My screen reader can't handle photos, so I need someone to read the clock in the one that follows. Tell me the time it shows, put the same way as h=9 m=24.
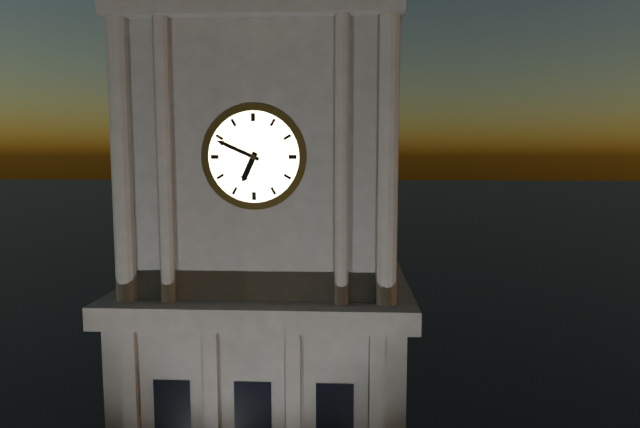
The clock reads h=6 m=49
